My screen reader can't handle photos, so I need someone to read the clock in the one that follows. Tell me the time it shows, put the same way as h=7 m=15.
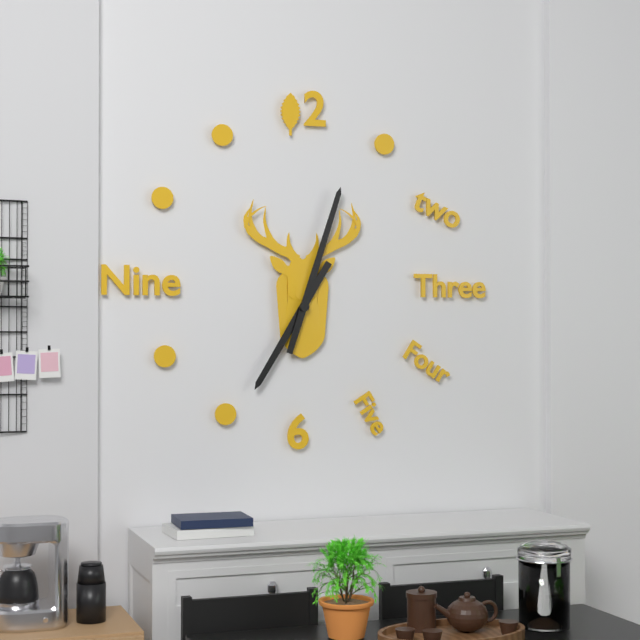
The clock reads h=7 m=3
